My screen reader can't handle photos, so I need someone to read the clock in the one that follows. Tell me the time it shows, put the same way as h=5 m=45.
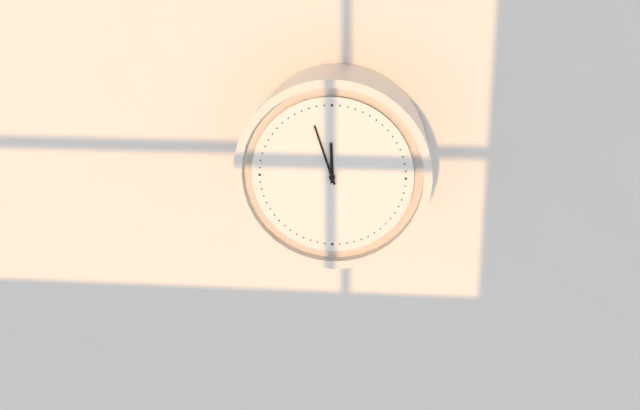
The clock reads h=11 m=57
